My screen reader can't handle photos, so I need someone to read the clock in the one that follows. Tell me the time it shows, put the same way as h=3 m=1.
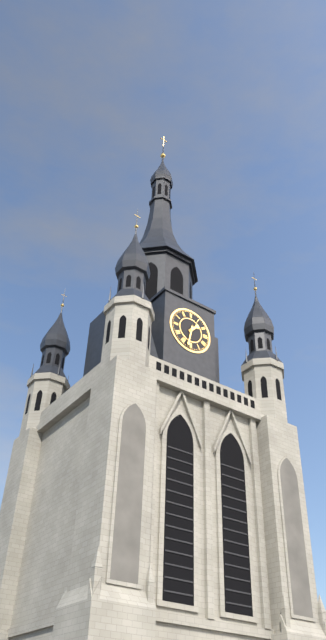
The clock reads h=1 m=32
